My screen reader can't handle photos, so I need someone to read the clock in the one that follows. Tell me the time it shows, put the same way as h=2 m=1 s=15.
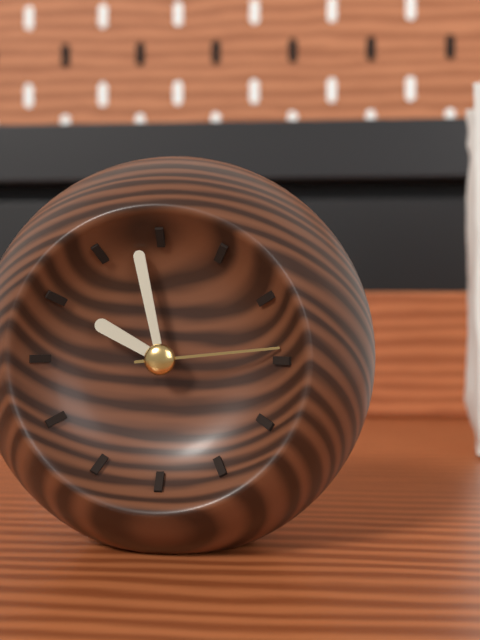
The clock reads h=9 m=58 s=14
